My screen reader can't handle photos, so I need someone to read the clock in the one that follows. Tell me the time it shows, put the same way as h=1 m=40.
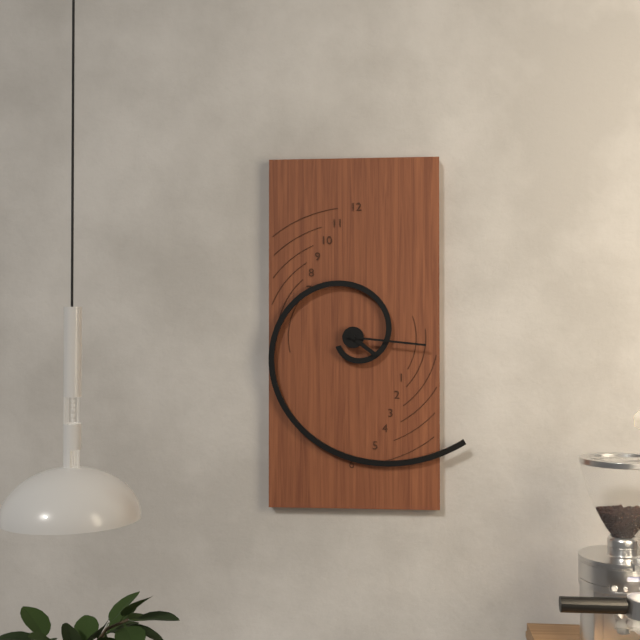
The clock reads h=4 m=16
